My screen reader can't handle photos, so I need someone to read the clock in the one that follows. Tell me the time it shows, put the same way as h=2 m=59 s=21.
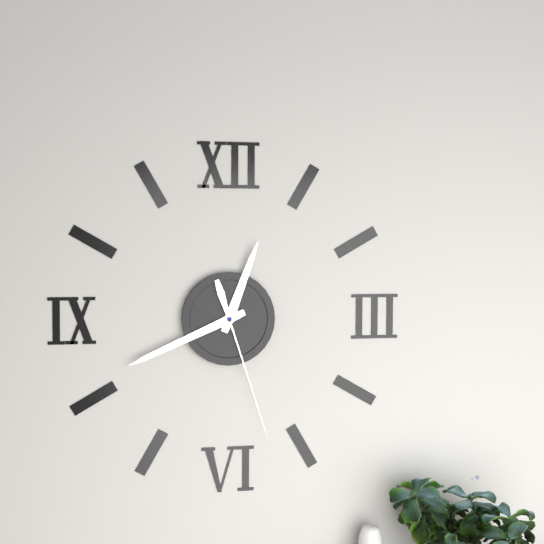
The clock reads h=12 m=41 s=27
